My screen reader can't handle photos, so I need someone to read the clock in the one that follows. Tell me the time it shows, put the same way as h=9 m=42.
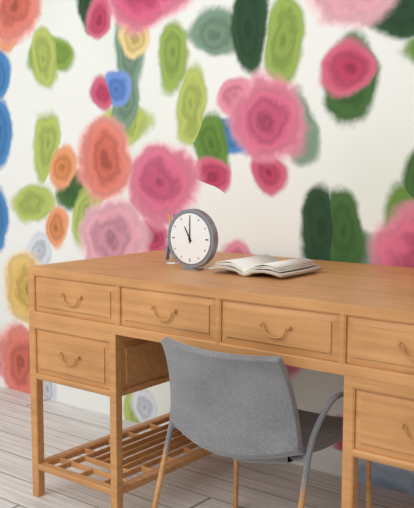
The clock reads h=11 m=0
